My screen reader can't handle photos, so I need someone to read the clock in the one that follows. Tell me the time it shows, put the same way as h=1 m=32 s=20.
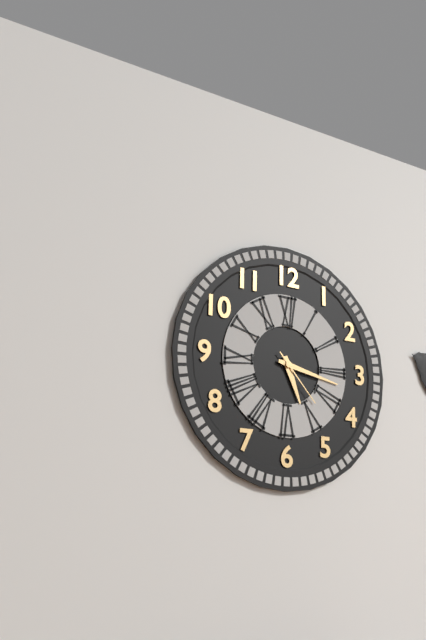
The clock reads h=5 m=17 s=23
